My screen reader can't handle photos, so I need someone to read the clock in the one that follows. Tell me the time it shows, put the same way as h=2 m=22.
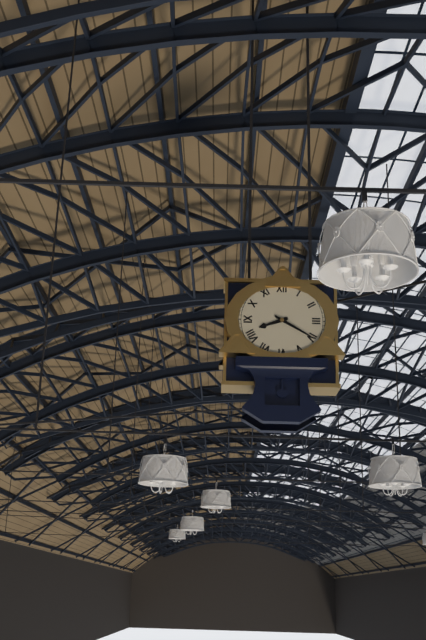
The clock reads h=8 m=20
